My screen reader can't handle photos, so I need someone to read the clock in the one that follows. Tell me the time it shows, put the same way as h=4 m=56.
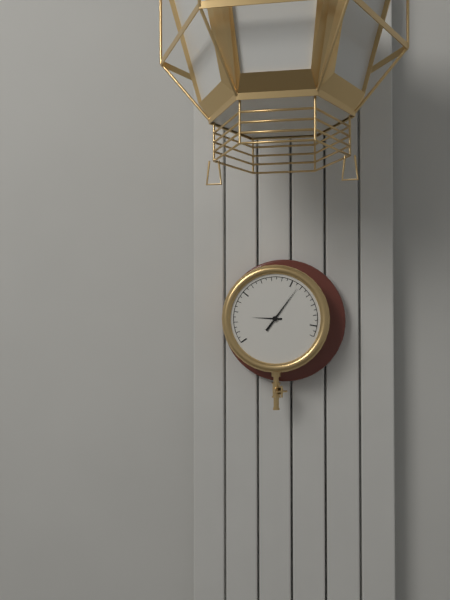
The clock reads h=9 m=6
